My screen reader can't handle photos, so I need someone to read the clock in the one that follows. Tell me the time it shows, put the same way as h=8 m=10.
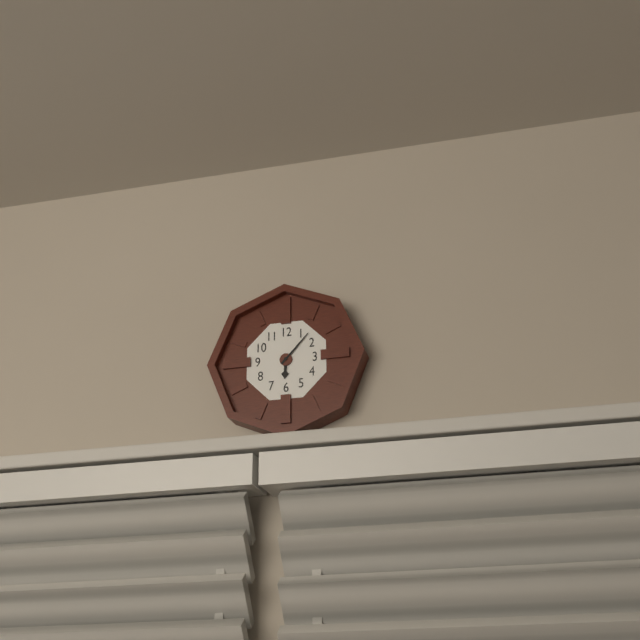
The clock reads h=6 m=7
